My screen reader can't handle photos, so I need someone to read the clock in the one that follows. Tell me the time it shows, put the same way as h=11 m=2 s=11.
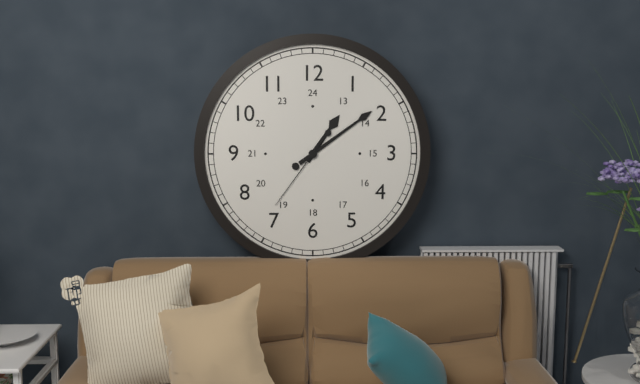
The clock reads h=1 m=9 s=36
